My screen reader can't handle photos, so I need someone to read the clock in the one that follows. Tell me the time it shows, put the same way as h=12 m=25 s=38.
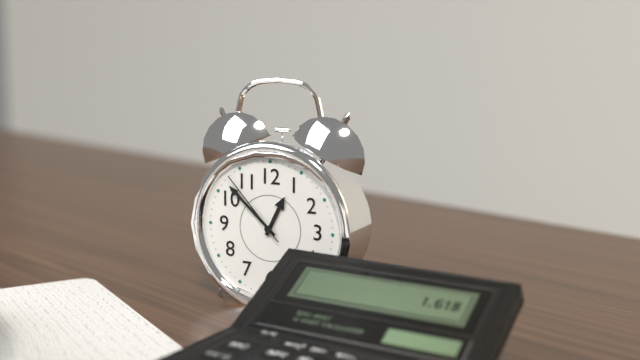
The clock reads h=12 m=52 s=53
